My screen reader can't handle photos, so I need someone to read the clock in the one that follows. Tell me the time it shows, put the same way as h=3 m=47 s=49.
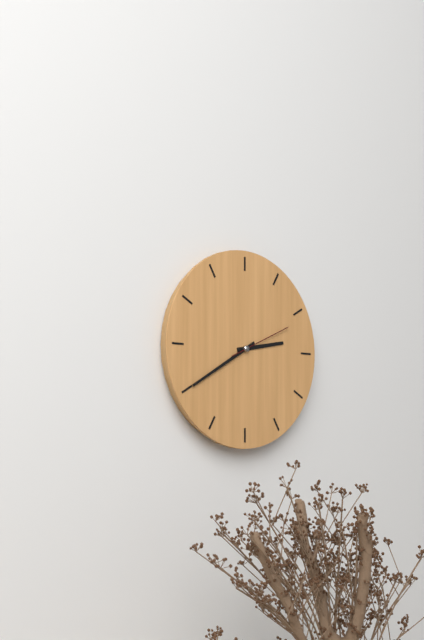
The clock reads h=2 m=40 s=11
